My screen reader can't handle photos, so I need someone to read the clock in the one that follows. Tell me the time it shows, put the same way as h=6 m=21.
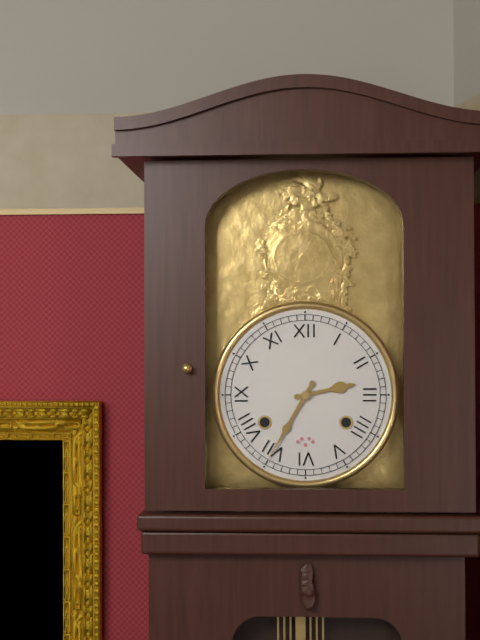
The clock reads h=2 m=35
